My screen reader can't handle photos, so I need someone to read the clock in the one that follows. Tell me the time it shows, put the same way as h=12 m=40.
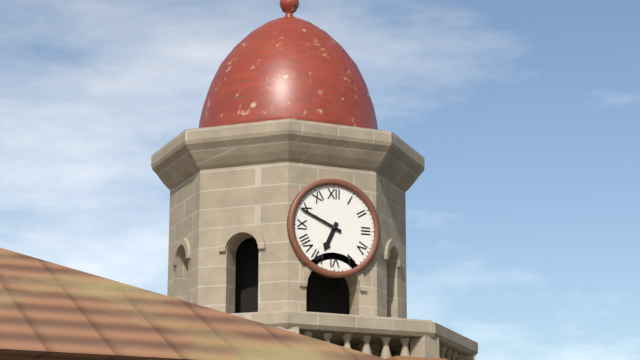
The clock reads h=6 m=49
